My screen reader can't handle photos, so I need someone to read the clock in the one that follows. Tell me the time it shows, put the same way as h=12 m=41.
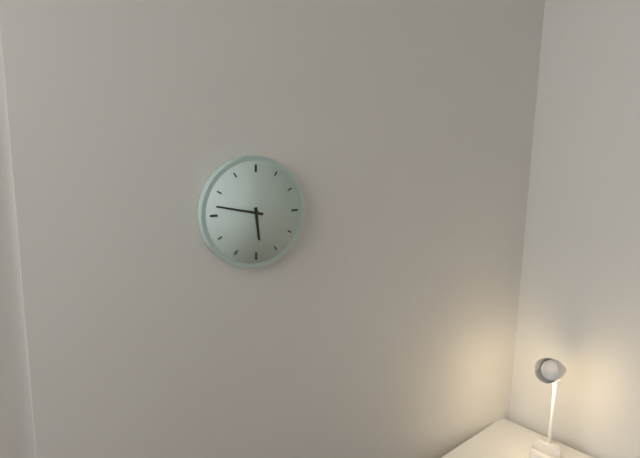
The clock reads h=5 m=47
